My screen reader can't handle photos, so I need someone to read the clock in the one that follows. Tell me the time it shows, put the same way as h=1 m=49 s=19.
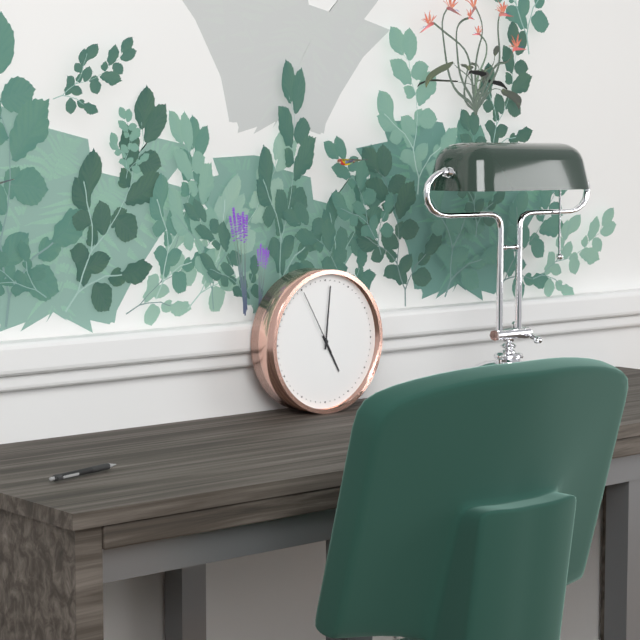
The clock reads h=5 m=1 s=55
